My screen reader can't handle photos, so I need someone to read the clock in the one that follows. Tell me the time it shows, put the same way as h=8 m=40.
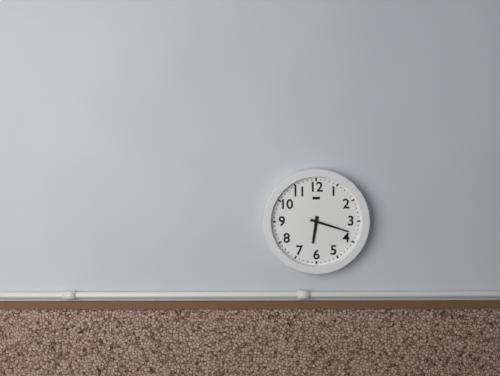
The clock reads h=6 m=18
